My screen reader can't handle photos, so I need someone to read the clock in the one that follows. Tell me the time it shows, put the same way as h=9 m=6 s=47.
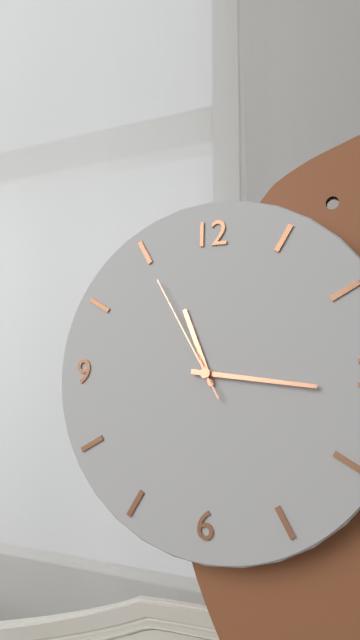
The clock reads h=11 m=16 s=55
